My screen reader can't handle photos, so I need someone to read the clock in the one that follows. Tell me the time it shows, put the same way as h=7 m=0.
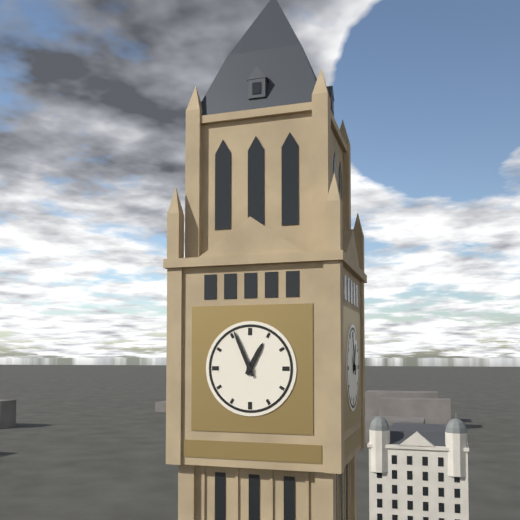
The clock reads h=12 m=56
